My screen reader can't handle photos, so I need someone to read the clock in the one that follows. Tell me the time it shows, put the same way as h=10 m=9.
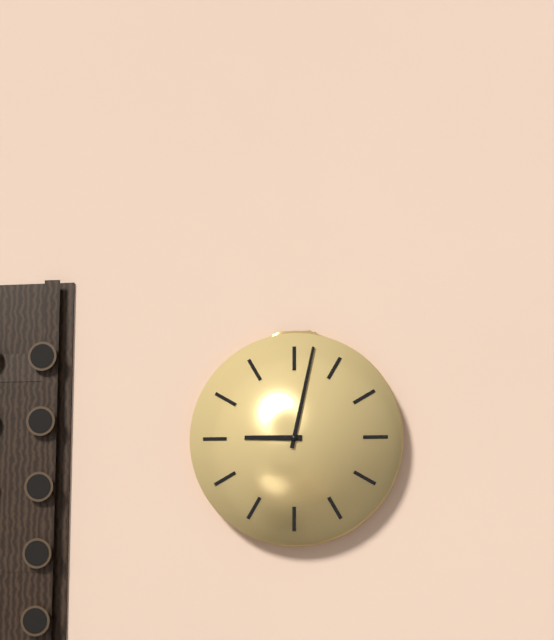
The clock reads h=9 m=2
